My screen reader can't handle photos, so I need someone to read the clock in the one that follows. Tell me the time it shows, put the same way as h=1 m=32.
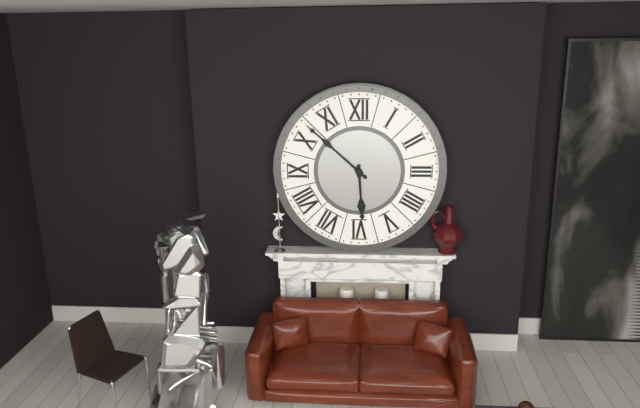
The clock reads h=5 m=52
